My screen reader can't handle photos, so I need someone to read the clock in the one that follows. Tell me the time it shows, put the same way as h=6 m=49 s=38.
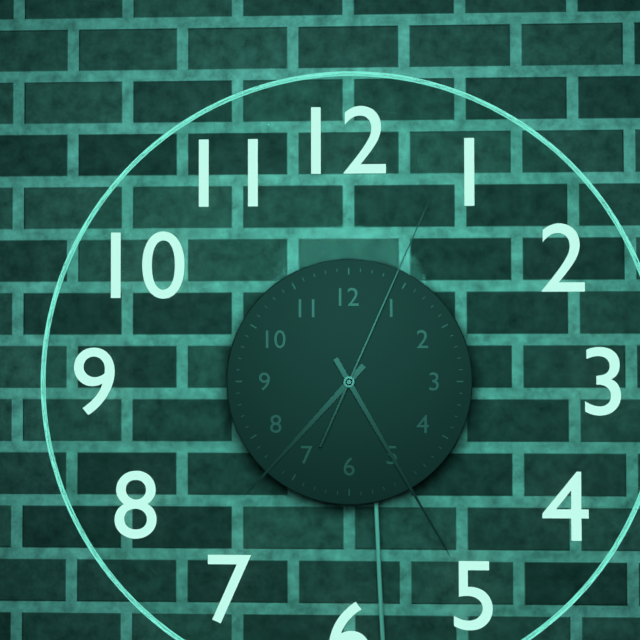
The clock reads h=7 m=25 s=4
